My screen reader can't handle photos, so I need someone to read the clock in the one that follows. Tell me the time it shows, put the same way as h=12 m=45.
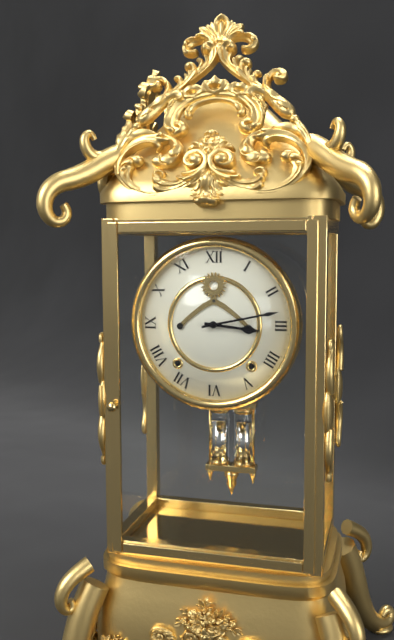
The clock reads h=3 m=13
